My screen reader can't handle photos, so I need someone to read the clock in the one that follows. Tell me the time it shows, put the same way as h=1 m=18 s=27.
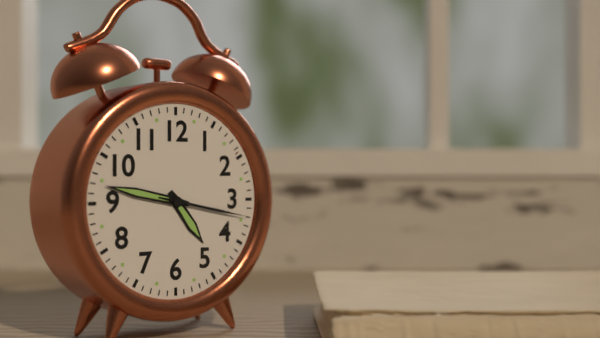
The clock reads h=4 m=47 s=17
